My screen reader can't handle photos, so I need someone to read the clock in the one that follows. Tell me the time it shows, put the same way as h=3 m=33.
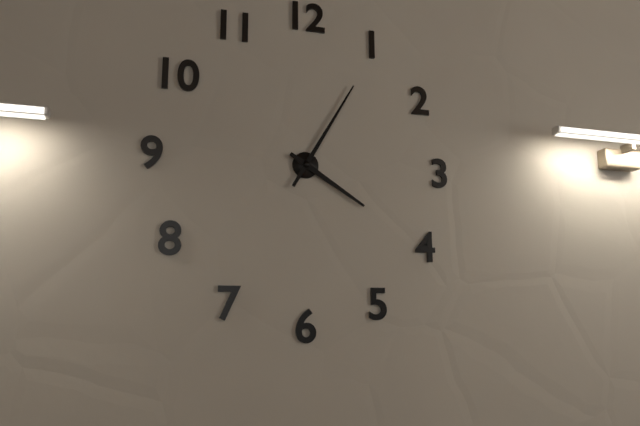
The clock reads h=4 m=5
